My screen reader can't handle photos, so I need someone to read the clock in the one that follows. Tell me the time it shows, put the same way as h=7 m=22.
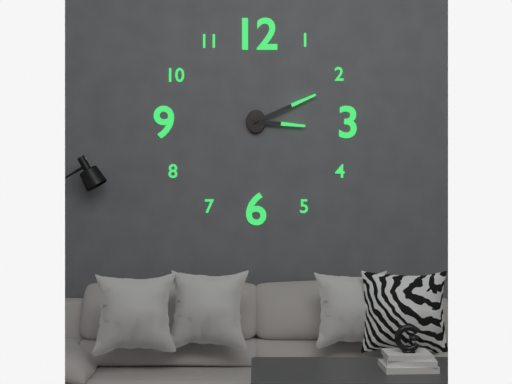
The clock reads h=3 m=11
